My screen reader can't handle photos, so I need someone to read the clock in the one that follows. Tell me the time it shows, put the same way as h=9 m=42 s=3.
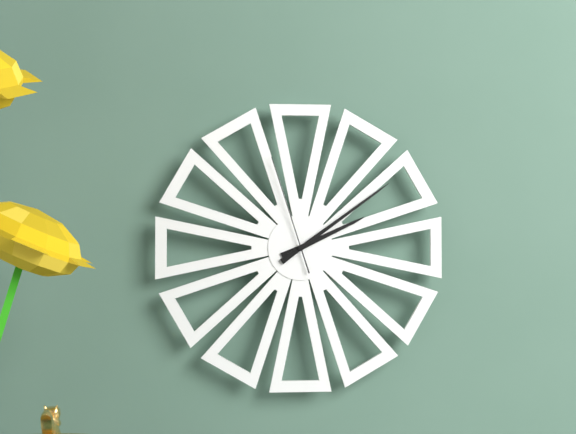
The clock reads h=2 m=9 s=57
